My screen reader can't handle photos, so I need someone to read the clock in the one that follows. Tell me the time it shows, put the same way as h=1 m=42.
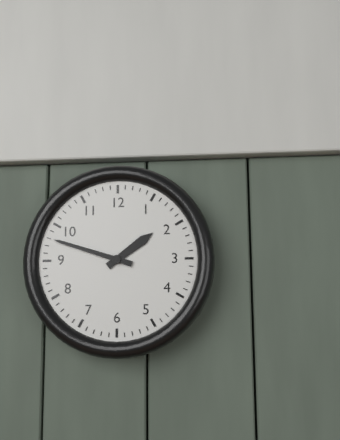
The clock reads h=1 m=48
